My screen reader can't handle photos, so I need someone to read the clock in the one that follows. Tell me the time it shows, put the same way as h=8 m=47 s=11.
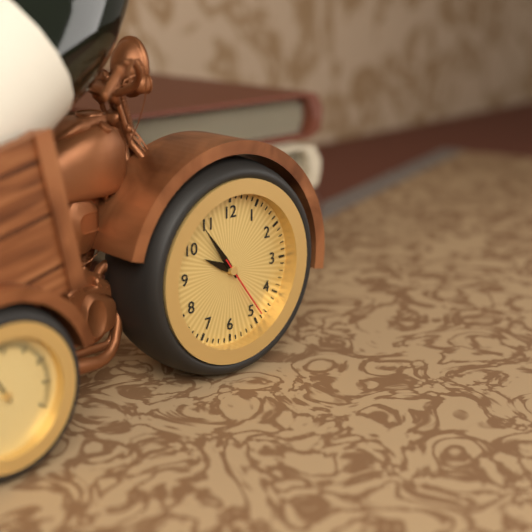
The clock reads h=9 m=54 s=24
